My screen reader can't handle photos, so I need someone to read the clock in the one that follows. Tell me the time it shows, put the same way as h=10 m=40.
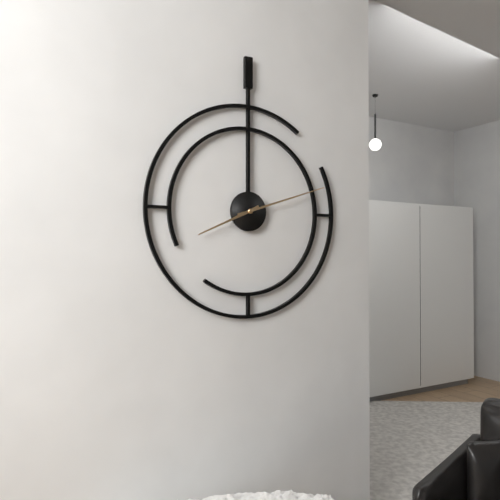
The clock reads h=8 m=12
